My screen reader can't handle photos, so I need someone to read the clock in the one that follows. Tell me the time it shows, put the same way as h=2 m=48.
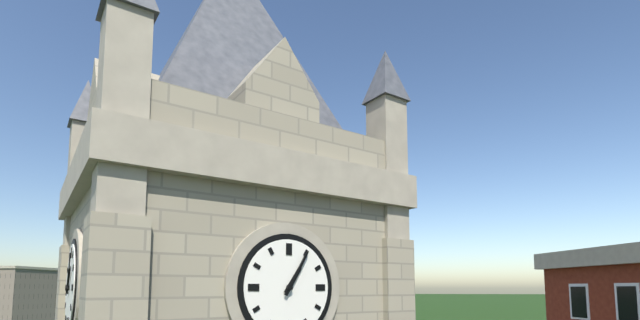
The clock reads h=1 m=5
